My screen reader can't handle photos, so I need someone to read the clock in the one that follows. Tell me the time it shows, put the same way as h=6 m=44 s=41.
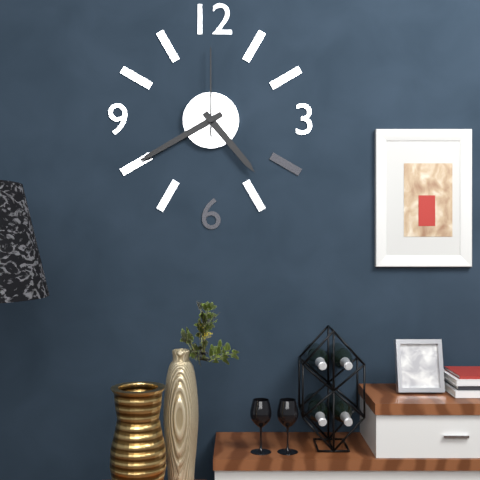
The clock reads h=4 m=40 s=0
